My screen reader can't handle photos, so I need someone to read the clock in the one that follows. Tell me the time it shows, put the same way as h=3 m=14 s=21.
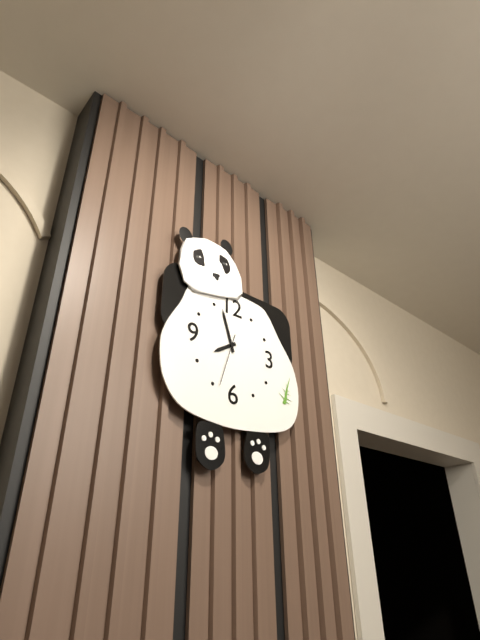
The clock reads h=7 m=57 s=33
